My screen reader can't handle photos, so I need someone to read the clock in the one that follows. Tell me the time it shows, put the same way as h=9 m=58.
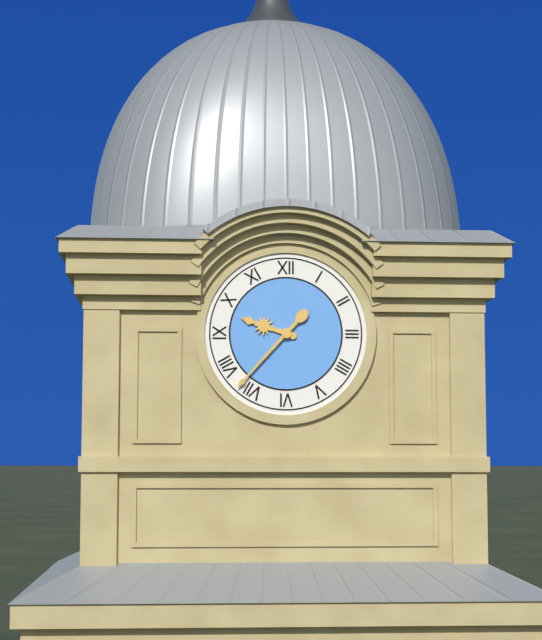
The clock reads h=9 m=37
